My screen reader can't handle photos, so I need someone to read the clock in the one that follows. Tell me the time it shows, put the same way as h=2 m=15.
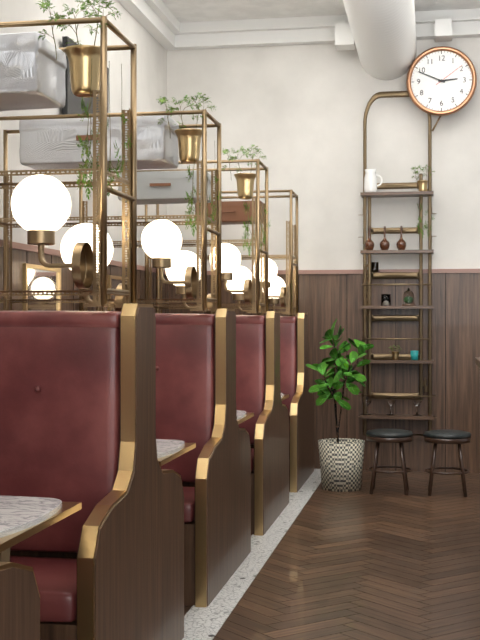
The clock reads h=2 m=49
